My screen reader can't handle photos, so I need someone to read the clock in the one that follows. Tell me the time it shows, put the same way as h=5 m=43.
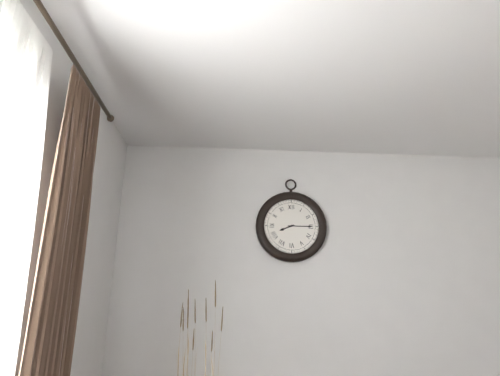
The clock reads h=8 m=15
